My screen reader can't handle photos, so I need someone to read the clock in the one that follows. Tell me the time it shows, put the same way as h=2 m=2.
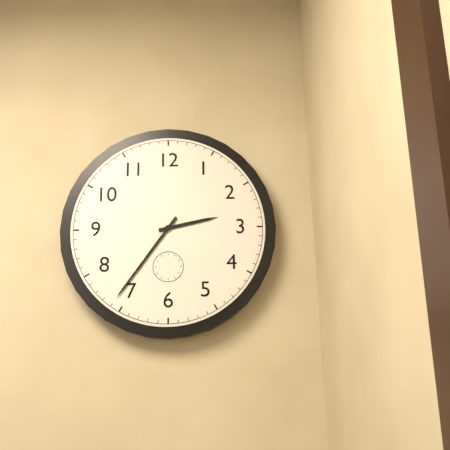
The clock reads h=2 m=36
